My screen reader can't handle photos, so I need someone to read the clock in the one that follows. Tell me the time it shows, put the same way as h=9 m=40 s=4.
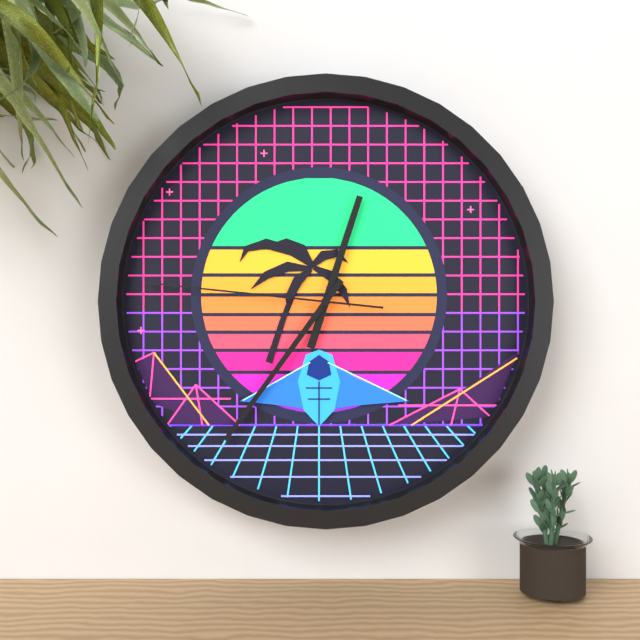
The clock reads h=12 m=36 s=46
